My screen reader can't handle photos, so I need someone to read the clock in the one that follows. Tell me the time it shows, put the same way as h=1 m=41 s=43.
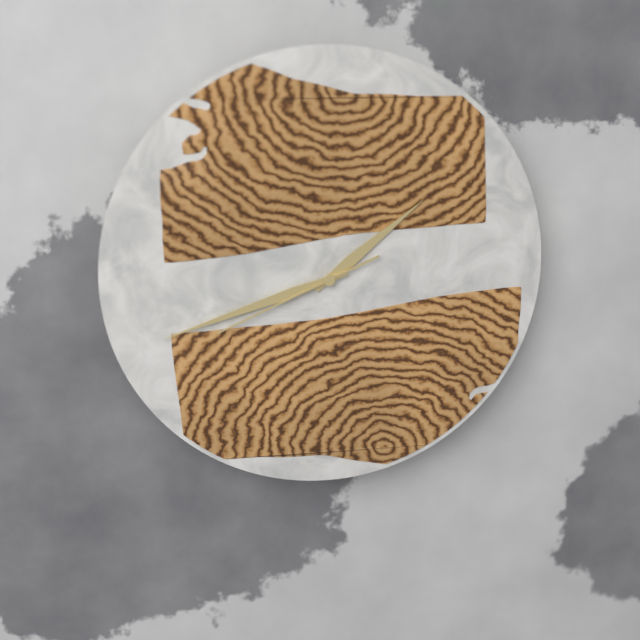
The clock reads h=1 m=42 s=41
